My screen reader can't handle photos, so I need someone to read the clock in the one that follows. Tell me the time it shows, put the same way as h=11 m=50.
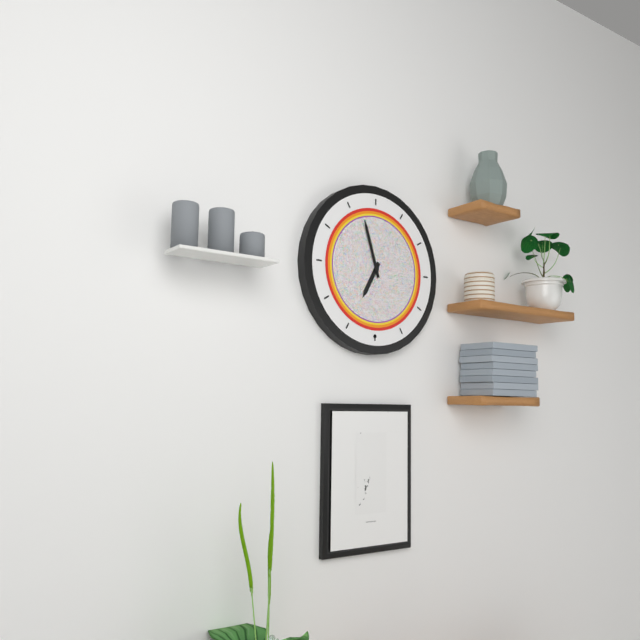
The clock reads h=6 m=57
